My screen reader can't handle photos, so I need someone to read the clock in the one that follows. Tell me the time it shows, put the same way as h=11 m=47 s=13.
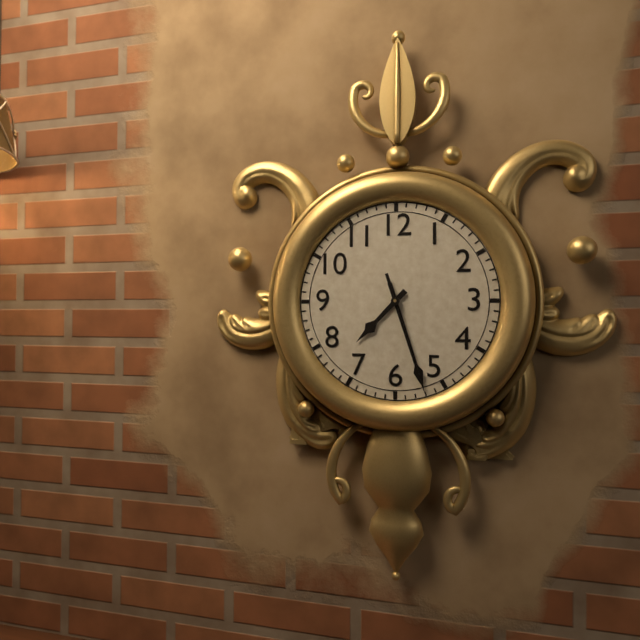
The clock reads h=7 m=27 s=27
